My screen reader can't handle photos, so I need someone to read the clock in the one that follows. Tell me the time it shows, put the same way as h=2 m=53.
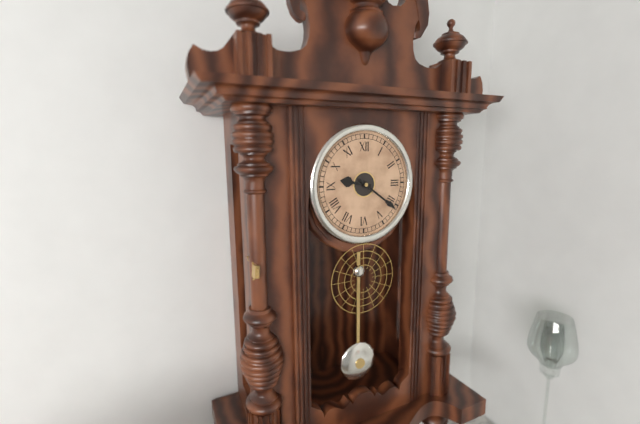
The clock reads h=9 m=21
